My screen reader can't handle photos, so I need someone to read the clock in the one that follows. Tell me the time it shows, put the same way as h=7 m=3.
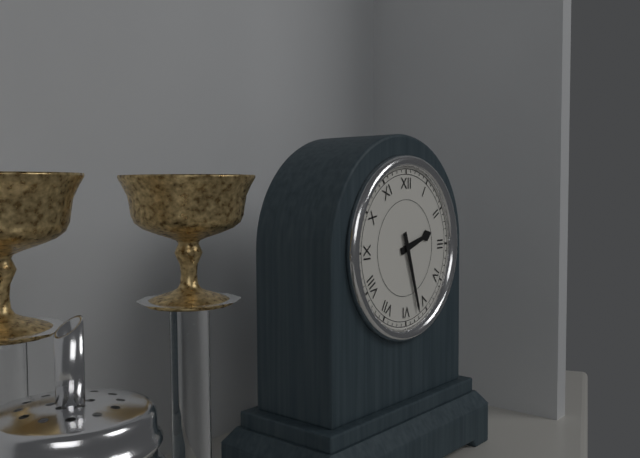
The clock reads h=2 m=27
